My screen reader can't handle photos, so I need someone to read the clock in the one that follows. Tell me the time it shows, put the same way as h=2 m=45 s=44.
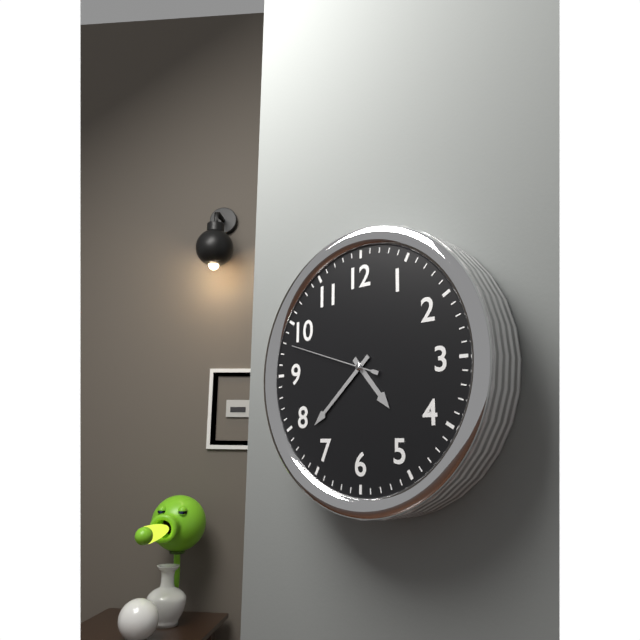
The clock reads h=4 m=38 s=48
